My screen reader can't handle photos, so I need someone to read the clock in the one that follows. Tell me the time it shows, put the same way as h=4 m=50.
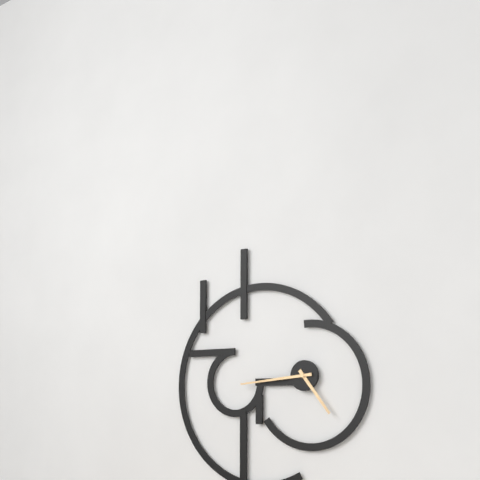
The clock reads h=4 m=44
